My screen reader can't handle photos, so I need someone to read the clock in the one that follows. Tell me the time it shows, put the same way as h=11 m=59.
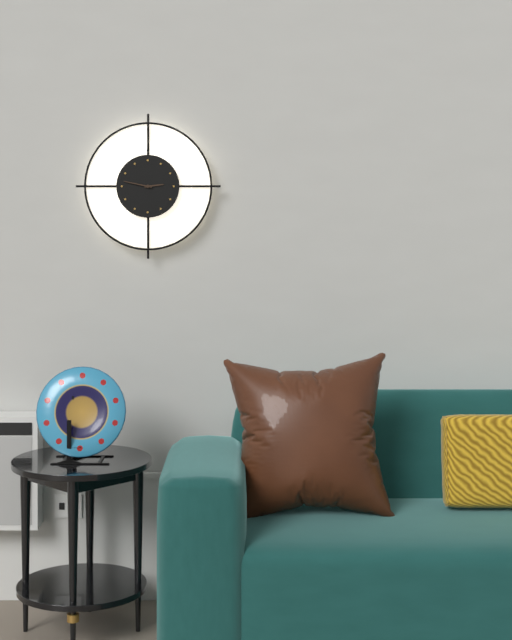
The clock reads h=2 m=47
